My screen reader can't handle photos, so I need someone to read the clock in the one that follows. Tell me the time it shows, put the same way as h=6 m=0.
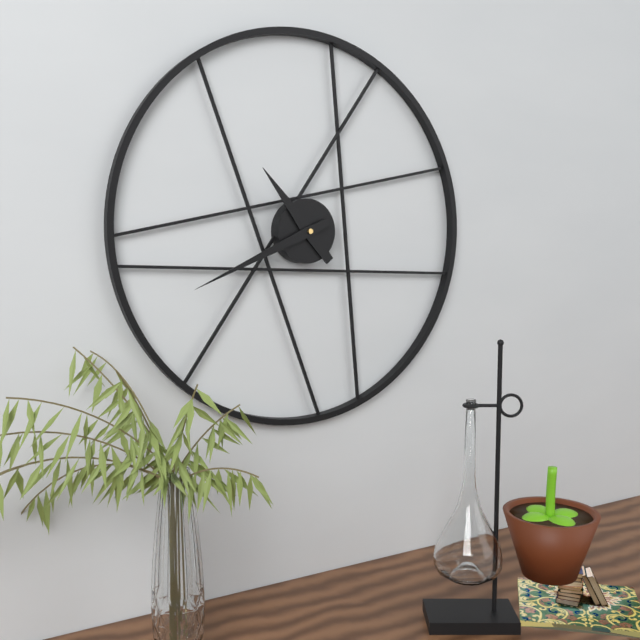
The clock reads h=10 m=41
